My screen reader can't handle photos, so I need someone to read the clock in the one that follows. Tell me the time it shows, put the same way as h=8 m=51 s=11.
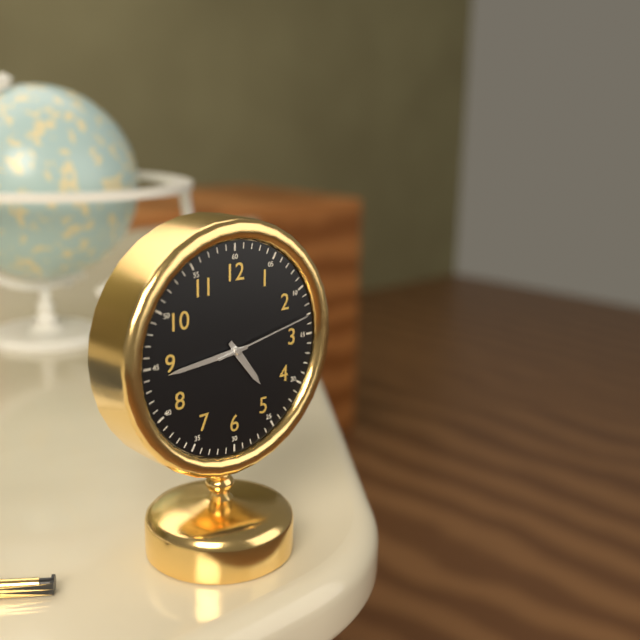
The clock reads h=4 m=44 s=13
